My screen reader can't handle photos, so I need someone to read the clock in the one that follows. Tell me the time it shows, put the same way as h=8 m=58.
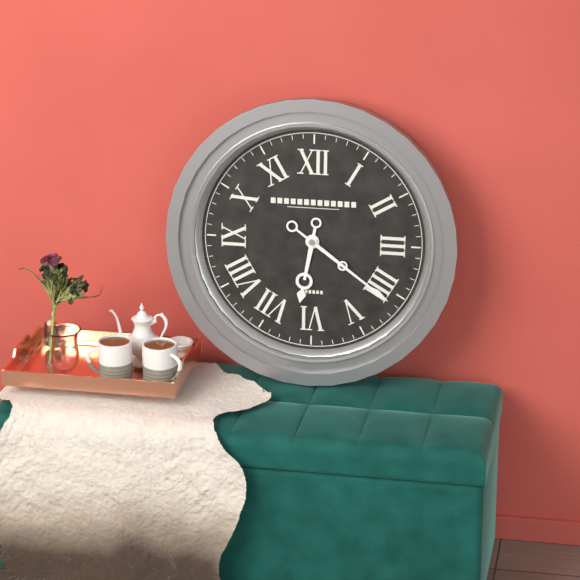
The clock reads h=6 m=21
